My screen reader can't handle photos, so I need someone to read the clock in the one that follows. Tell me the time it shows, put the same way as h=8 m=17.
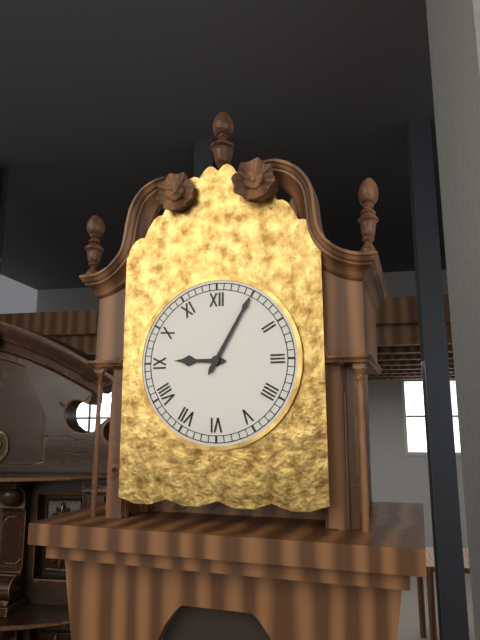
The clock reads h=9 m=5
